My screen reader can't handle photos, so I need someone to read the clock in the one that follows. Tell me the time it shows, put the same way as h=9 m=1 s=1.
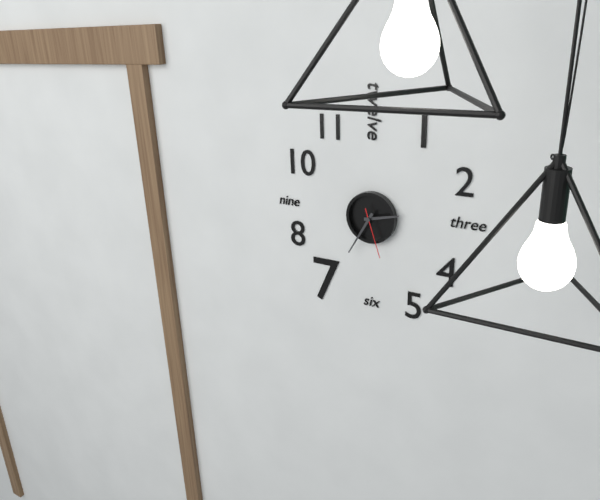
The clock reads h=2 m=35 s=27
